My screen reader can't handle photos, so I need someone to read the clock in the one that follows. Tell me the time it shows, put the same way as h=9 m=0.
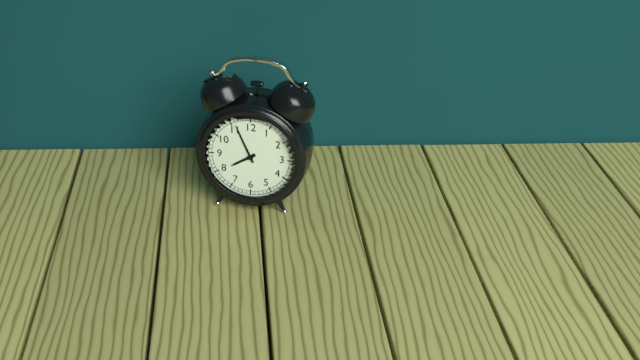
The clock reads h=7 m=56
